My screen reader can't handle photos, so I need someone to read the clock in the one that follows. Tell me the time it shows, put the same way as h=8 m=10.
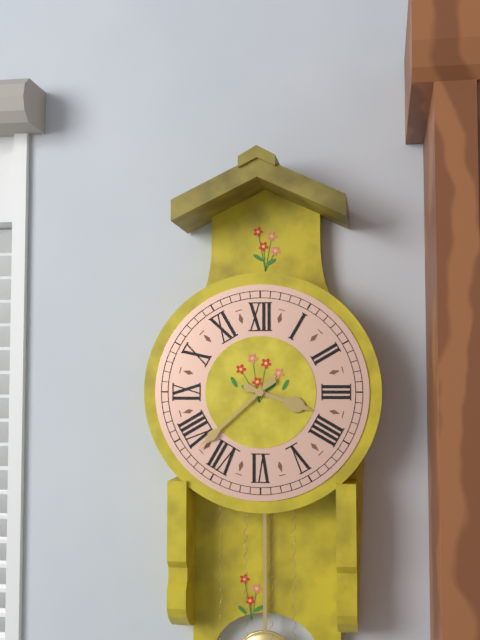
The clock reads h=3 m=38
